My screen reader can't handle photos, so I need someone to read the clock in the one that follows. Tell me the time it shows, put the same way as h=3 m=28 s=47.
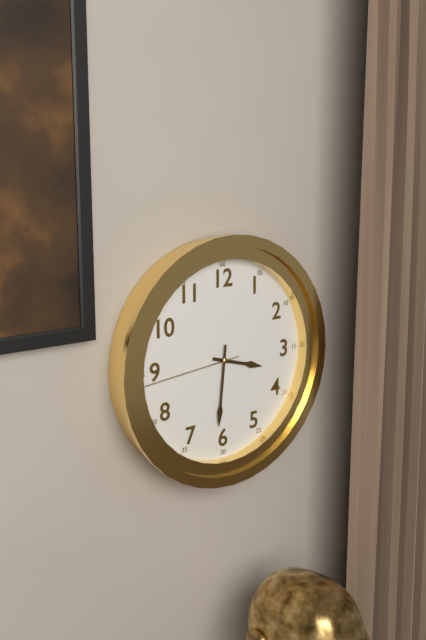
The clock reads h=3 m=31 s=44
